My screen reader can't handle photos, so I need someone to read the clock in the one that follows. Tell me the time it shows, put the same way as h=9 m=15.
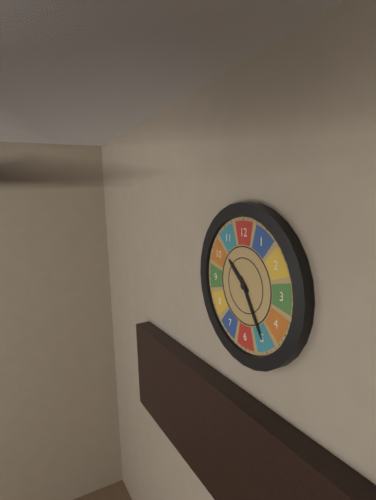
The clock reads h=10 m=25
